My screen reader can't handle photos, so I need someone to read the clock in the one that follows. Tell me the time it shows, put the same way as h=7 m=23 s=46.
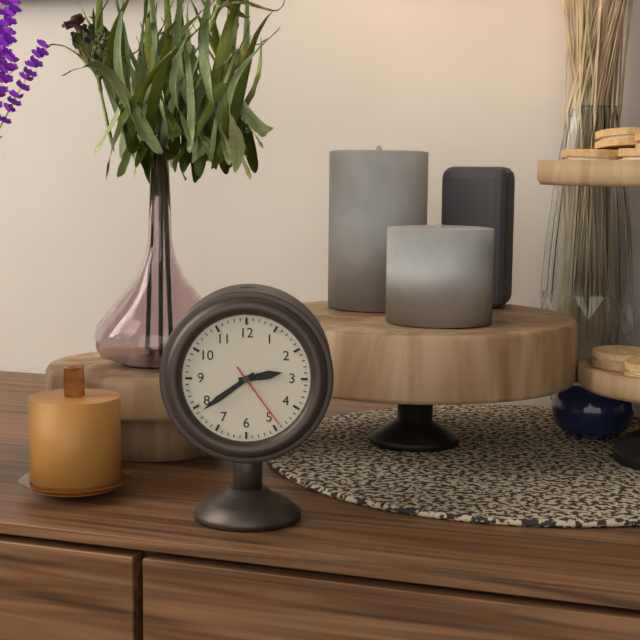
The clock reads h=2 m=39 s=24
